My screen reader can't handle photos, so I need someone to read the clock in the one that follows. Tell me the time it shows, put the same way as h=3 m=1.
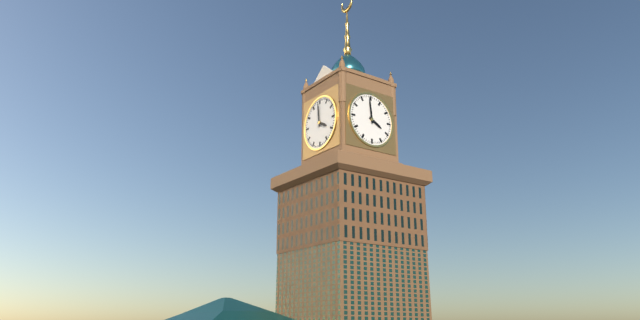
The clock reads h=3 m=59
